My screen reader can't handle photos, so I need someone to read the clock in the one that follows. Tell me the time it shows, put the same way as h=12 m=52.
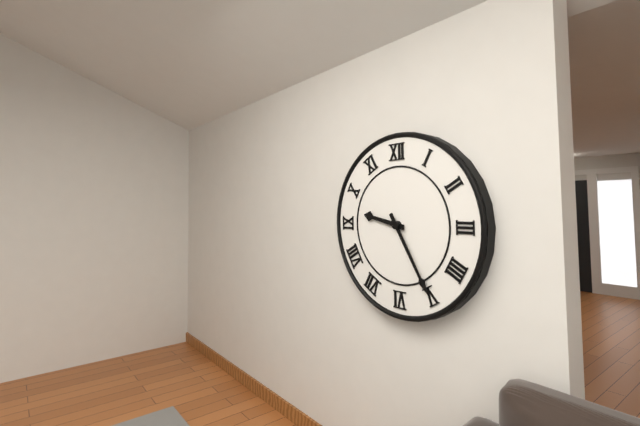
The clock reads h=9 m=25
